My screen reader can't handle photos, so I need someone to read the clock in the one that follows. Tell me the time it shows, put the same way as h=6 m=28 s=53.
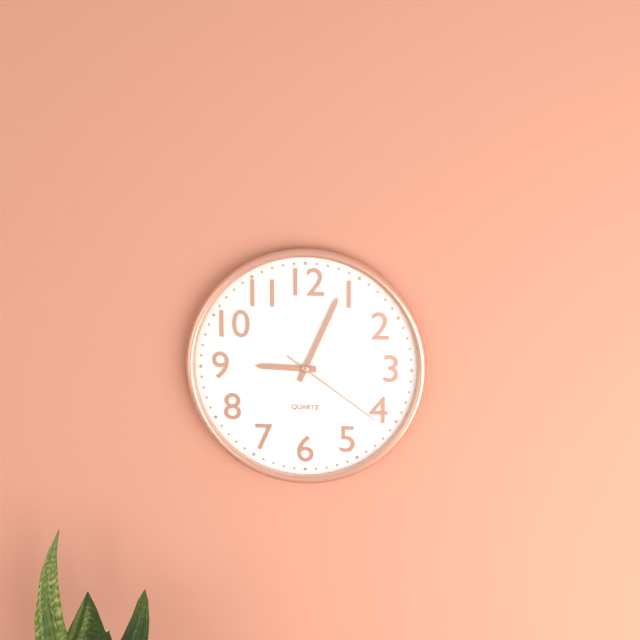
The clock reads h=9 m=4 s=21
